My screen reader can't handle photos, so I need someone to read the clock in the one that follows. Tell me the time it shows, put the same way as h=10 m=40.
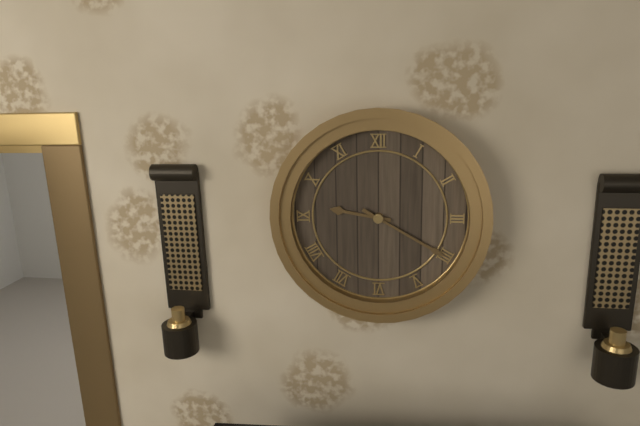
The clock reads h=9 m=20
